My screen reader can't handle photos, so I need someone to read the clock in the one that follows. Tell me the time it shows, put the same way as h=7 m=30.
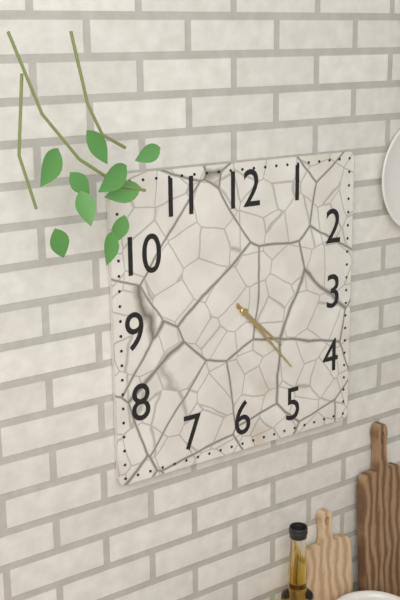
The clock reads h=4 m=23
